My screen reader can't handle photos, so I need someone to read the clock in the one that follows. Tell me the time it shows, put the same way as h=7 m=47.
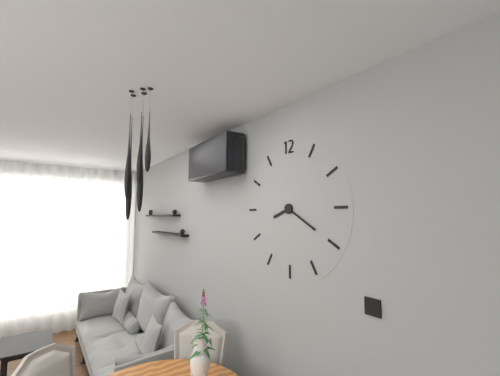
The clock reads h=8 m=20
